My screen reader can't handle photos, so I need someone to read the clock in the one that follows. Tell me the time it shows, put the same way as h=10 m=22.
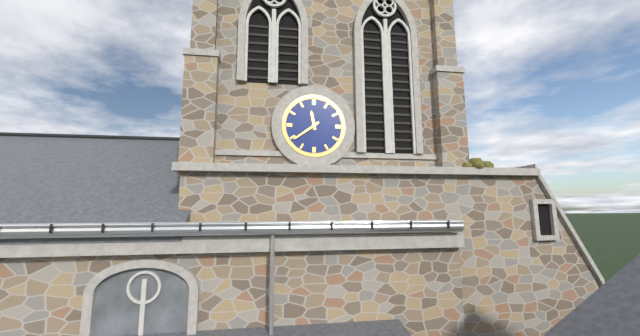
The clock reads h=11 m=39
